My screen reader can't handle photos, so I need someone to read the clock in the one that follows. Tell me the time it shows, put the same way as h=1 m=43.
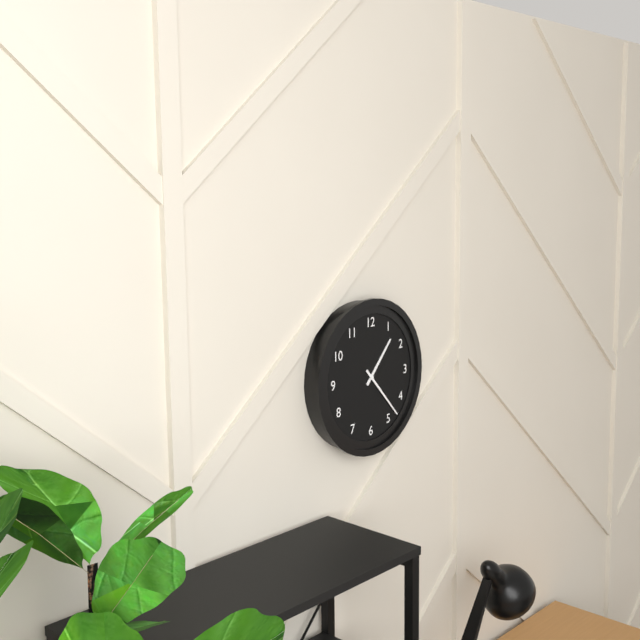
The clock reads h=1 m=23
